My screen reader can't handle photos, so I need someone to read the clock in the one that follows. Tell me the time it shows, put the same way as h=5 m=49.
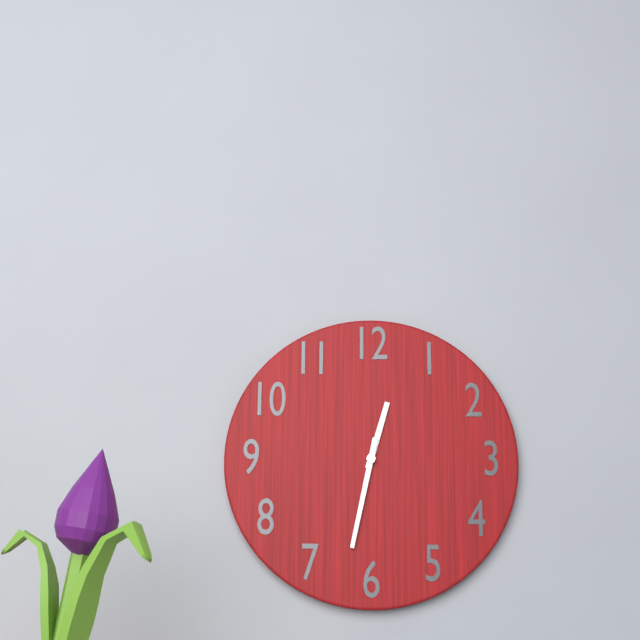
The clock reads h=12 m=32
